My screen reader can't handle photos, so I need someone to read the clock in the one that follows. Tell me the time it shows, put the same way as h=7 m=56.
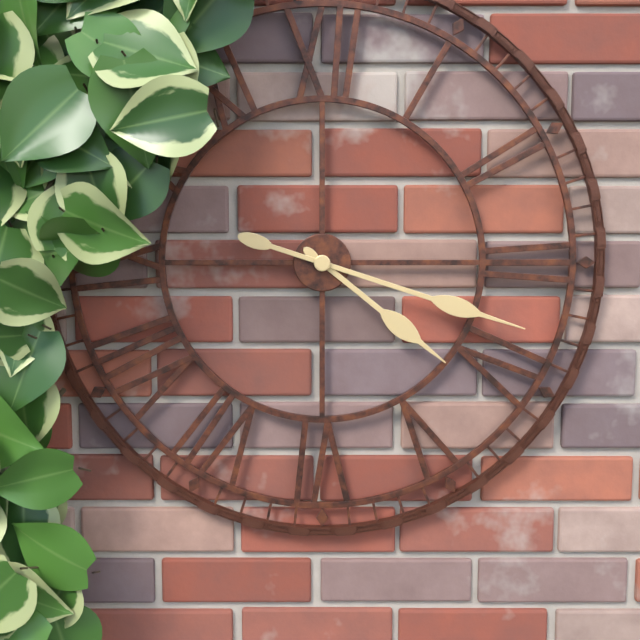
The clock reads h=4 m=18
